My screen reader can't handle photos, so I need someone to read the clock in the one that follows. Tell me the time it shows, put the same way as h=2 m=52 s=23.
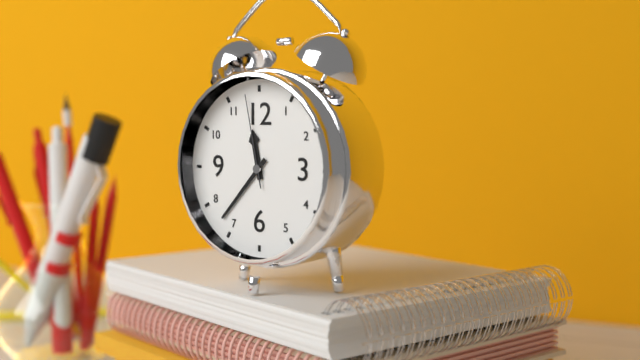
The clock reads h=11 m=37 s=58
